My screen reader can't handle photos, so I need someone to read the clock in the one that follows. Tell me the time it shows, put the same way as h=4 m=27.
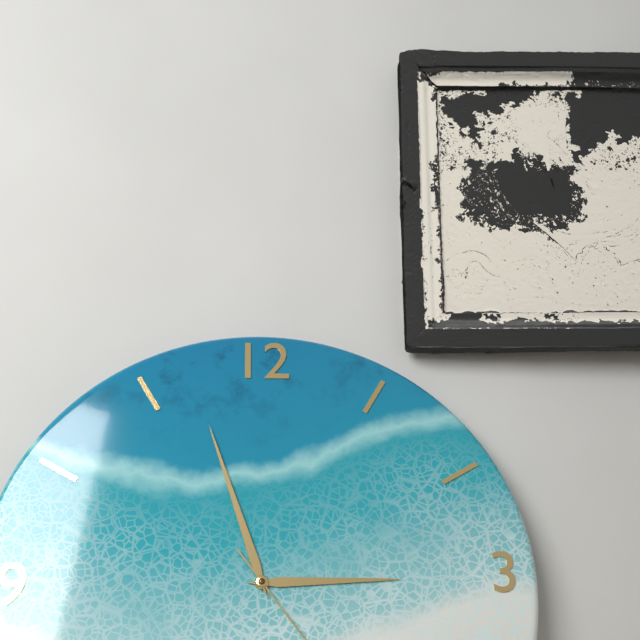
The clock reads h=2 m=57
